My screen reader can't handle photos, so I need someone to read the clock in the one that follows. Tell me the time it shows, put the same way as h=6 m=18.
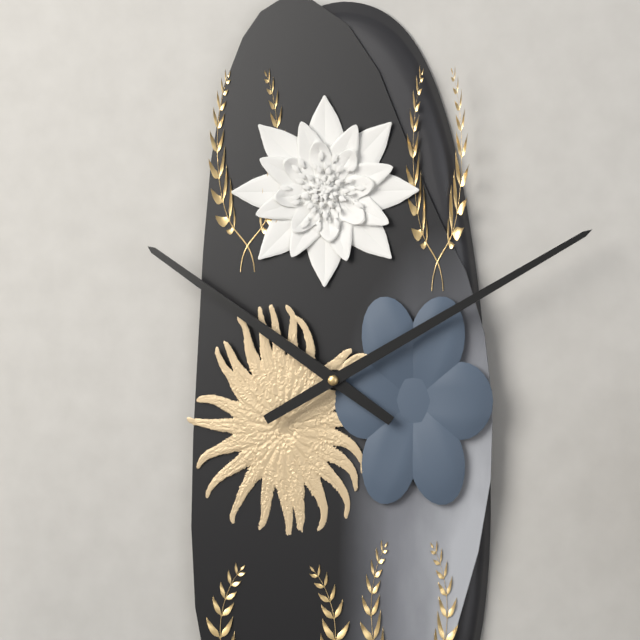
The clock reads h=10 m=10
